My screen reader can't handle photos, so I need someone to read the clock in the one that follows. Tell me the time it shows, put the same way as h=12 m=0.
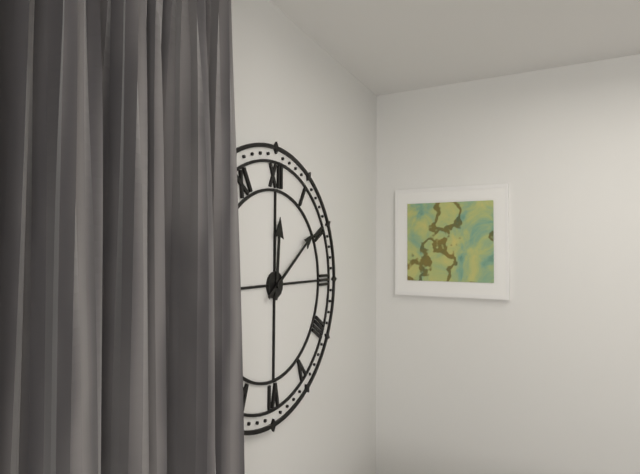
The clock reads h=12 m=9
